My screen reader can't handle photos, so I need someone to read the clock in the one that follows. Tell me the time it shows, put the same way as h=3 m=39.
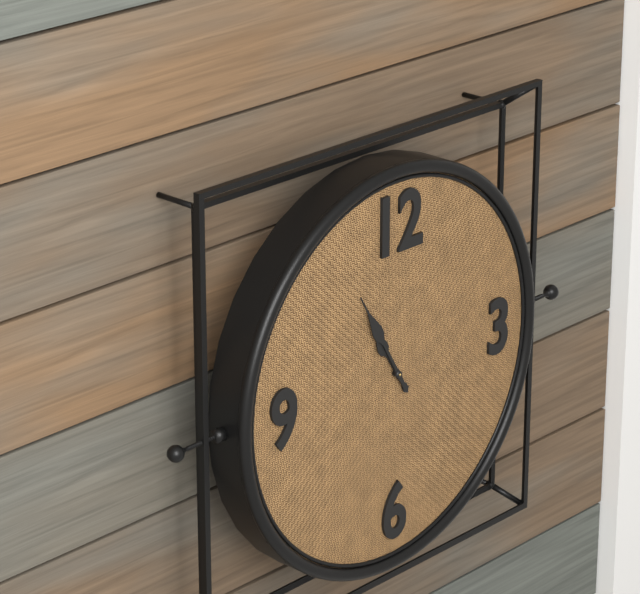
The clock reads h=10 m=55
